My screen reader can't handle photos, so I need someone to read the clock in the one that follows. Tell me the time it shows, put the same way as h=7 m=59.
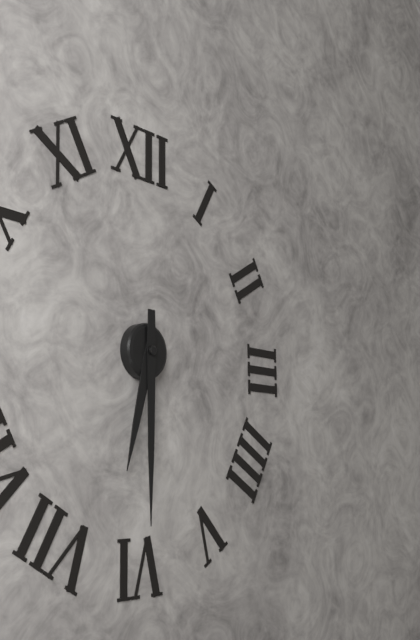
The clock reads h=6 m=30
